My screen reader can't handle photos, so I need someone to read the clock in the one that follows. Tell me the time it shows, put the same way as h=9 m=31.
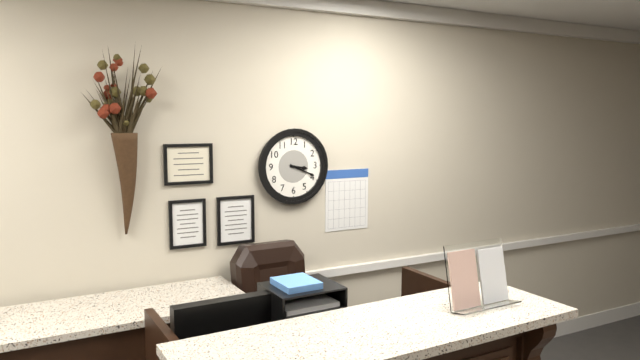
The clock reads h=3 m=19
